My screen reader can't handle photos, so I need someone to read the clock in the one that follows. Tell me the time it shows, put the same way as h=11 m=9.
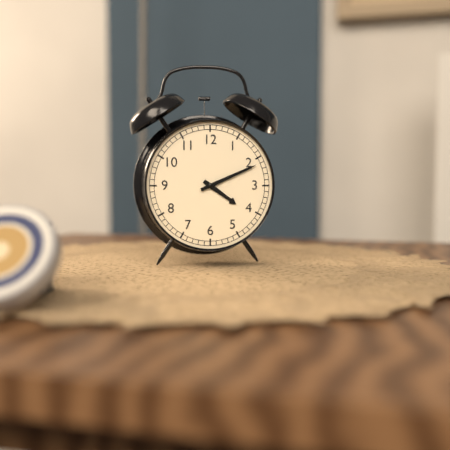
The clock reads h=4 m=11
